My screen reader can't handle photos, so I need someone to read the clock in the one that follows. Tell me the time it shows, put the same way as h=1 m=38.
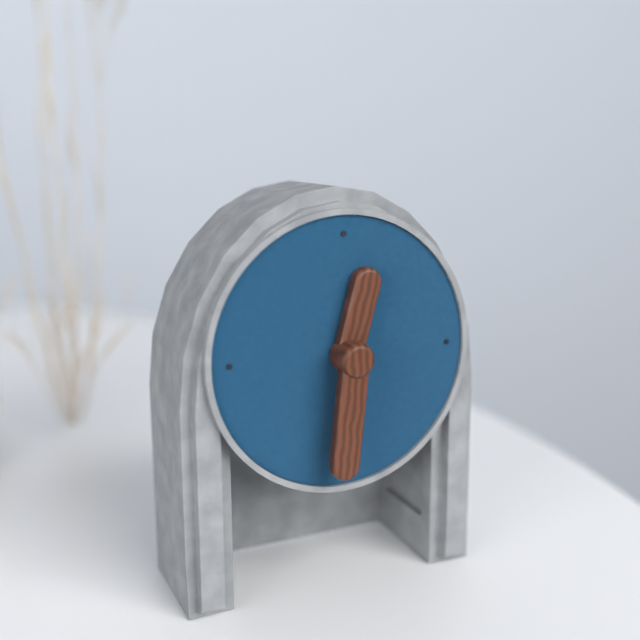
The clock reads h=12 m=31
